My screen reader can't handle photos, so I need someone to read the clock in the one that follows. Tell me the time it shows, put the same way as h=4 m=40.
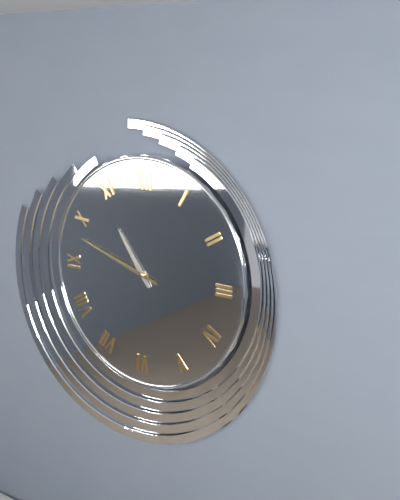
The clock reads h=10 m=48
